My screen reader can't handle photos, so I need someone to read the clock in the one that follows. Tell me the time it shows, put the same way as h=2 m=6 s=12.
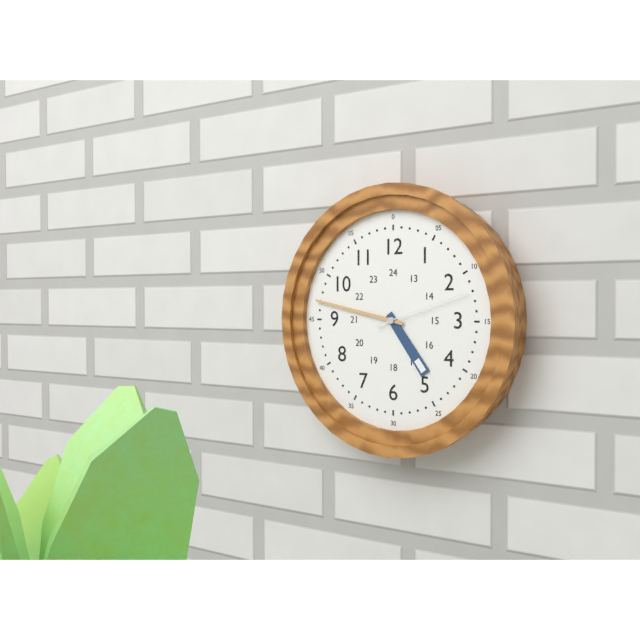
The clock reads h=4 m=47 s=12
